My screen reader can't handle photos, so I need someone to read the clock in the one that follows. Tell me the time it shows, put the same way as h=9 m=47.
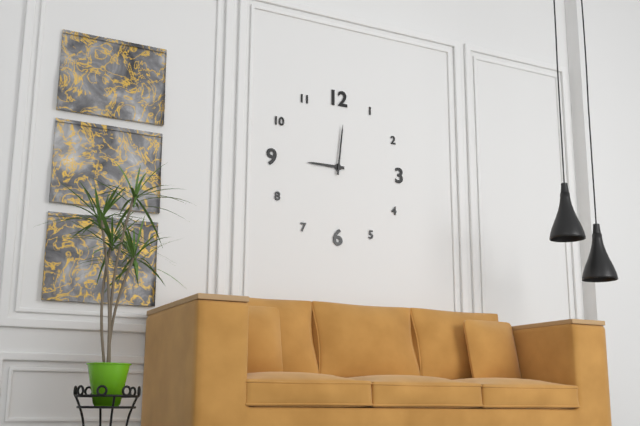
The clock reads h=9 m=1
